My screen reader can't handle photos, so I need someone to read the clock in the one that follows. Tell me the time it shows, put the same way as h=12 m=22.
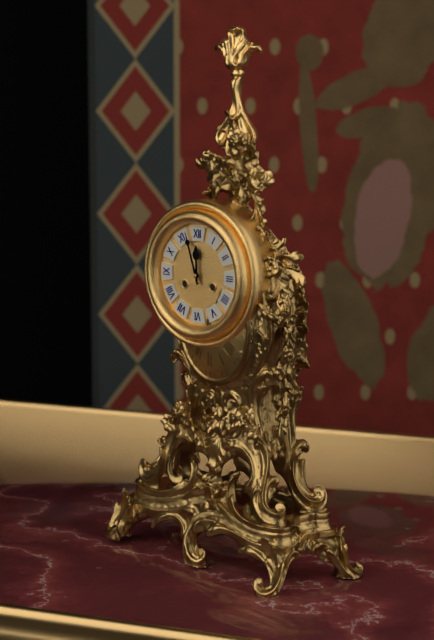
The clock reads h=11 m=57
